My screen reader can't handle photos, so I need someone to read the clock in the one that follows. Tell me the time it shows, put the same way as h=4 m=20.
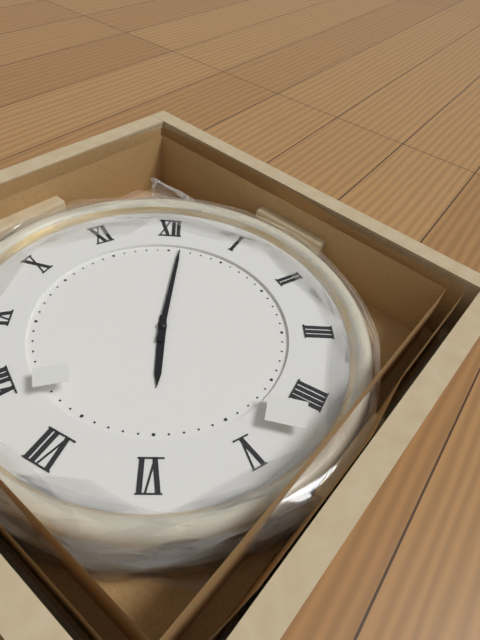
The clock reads h=6 m=1
